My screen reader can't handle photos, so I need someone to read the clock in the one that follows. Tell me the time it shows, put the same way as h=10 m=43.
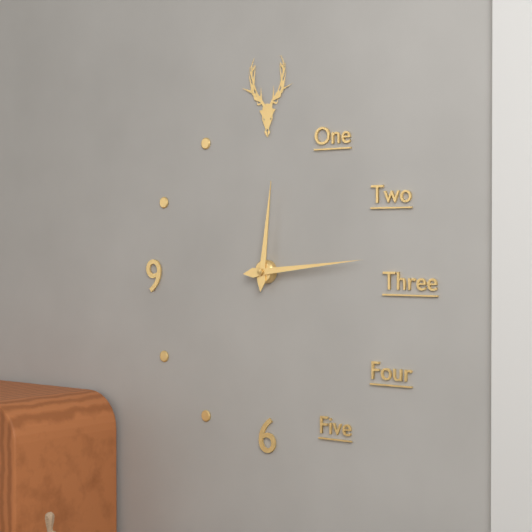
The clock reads h=12 m=14
